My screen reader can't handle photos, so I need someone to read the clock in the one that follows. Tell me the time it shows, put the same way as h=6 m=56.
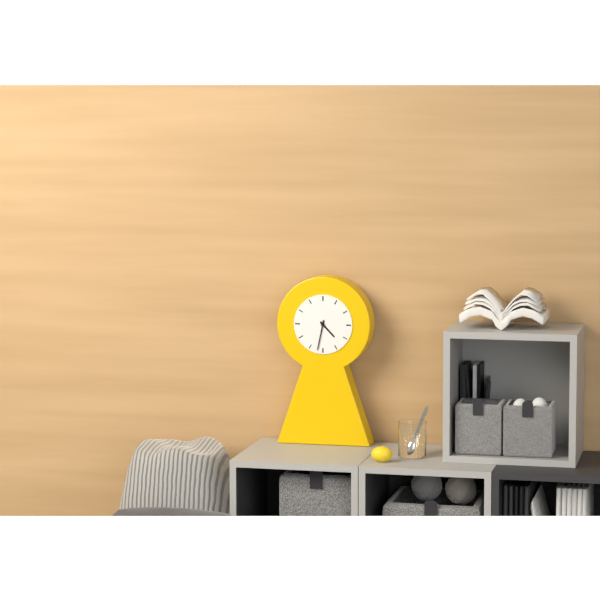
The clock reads h=4 m=32
